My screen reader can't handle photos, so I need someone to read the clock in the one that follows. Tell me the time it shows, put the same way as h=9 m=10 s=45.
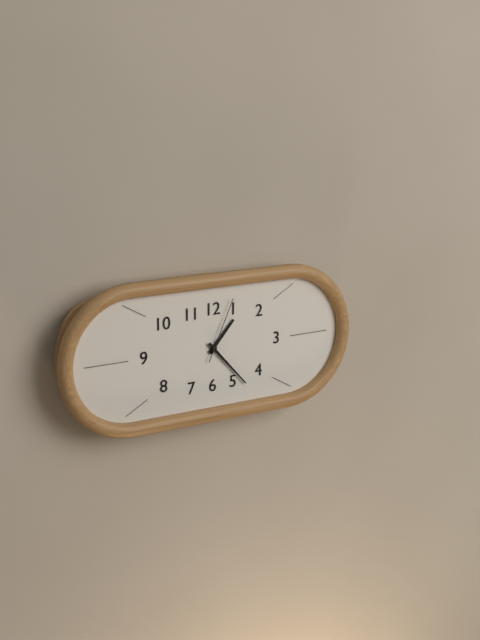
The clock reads h=1 m=23 s=4
